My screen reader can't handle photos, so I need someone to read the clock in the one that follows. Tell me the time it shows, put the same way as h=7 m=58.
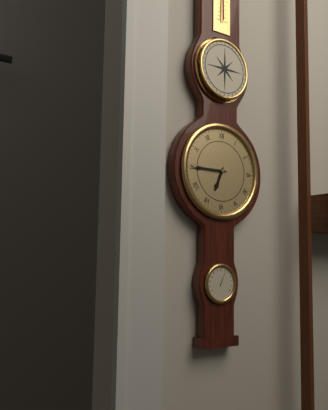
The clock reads h=6 m=45
